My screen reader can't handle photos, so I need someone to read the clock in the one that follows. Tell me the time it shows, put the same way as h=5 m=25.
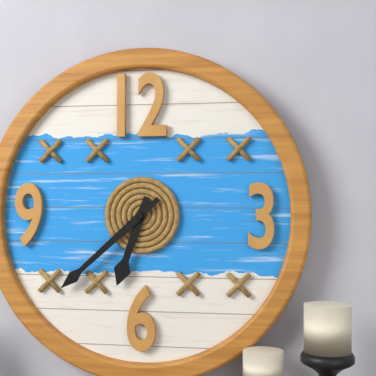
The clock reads h=6 m=38
